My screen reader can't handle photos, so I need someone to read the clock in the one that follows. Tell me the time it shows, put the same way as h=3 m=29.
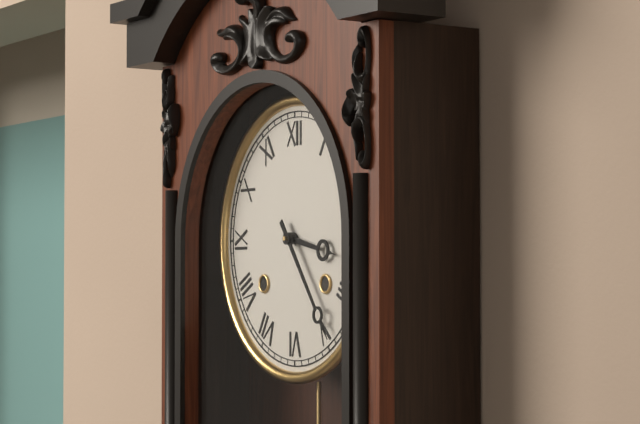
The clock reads h=3 m=24
